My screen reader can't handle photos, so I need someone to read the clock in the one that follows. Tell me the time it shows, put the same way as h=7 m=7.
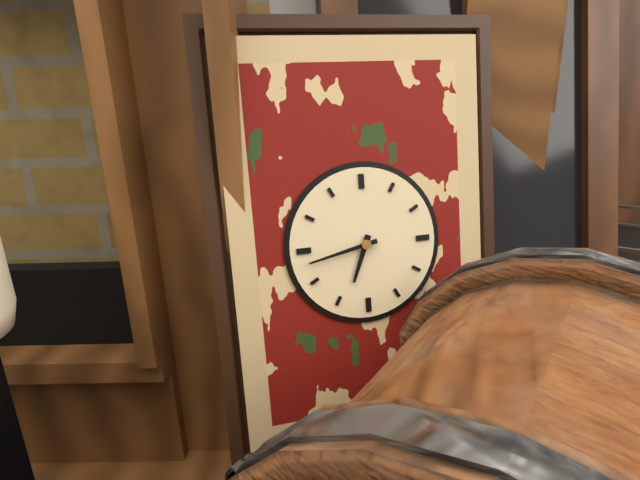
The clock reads h=6 m=43
